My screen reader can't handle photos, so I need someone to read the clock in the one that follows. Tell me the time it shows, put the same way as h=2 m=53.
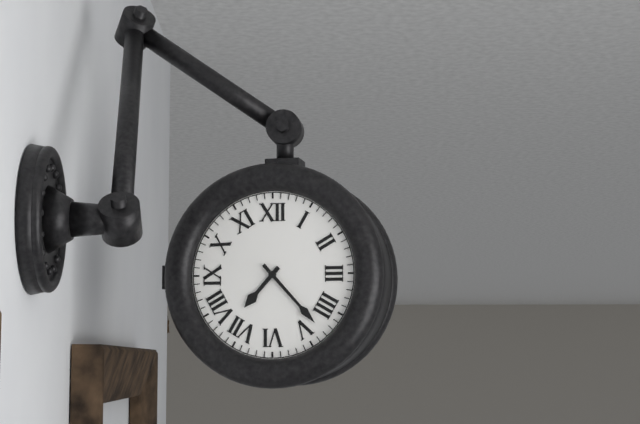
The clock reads h=7 m=23
